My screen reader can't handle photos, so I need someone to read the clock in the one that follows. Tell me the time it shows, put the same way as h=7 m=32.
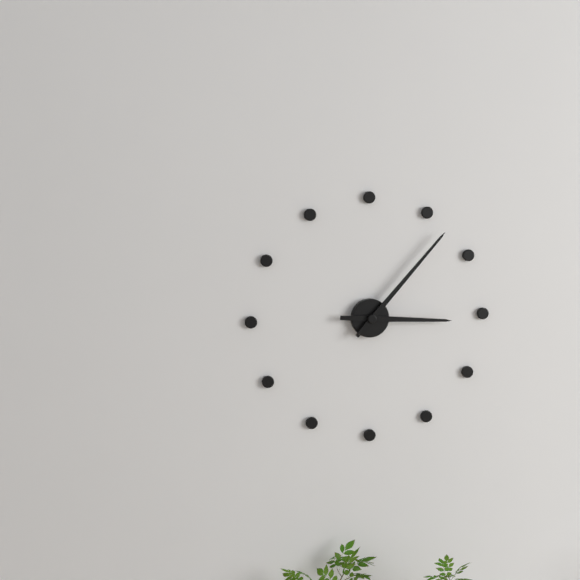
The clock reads h=3 m=7
